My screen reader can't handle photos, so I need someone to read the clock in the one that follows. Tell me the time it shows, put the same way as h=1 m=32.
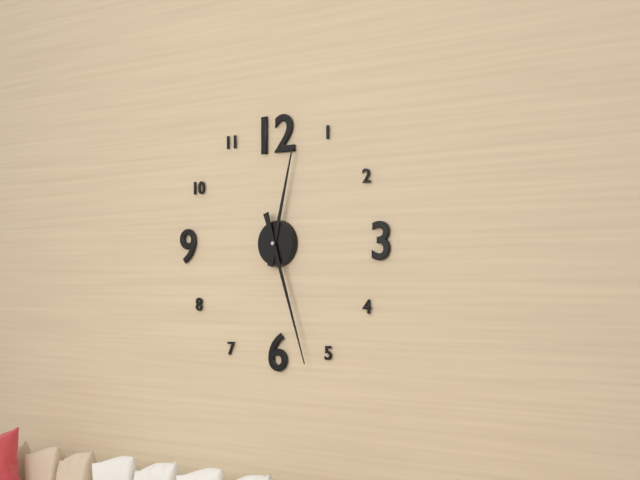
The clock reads h=12 m=27
